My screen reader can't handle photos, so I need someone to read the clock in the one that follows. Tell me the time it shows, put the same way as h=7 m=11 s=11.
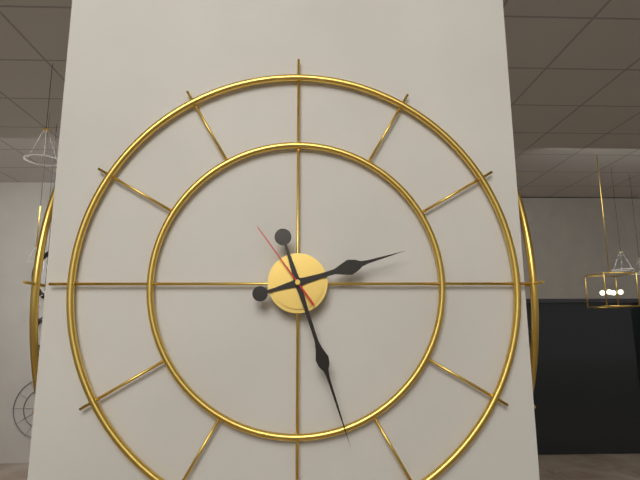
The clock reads h=2 m=27 s=54
